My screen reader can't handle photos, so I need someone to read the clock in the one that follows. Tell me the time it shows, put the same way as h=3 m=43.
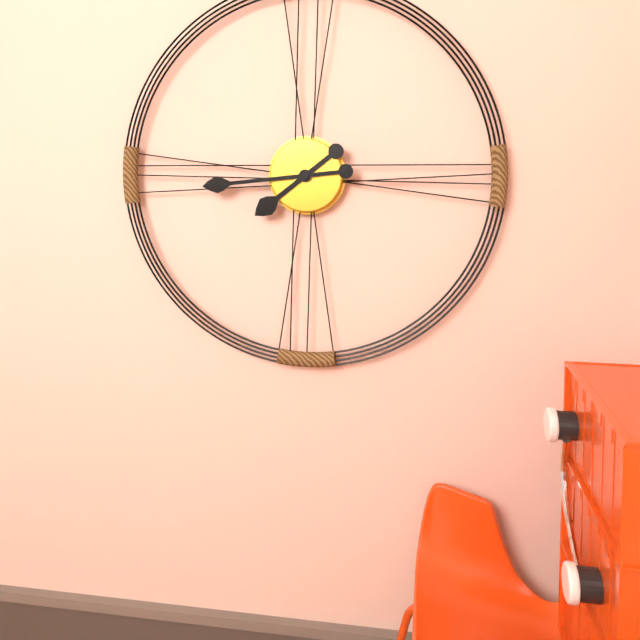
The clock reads h=7 m=44
